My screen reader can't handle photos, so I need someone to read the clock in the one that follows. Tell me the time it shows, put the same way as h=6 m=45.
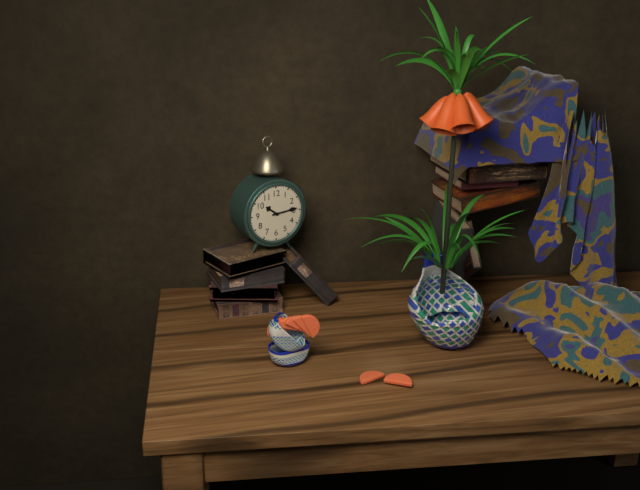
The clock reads h=10 m=14
